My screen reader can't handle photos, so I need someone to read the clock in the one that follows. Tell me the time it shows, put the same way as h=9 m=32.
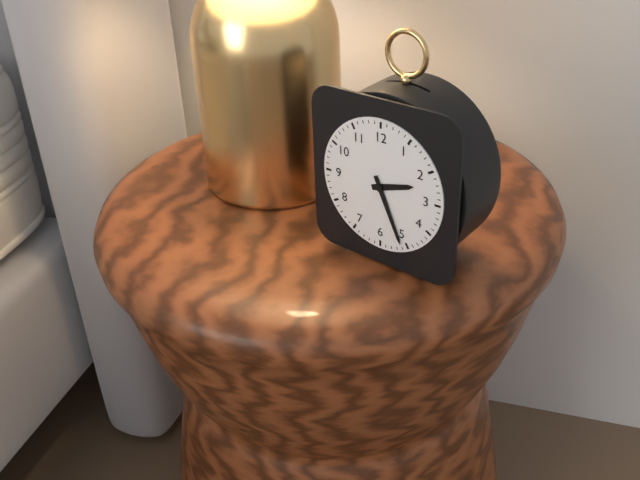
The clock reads h=2 m=26
